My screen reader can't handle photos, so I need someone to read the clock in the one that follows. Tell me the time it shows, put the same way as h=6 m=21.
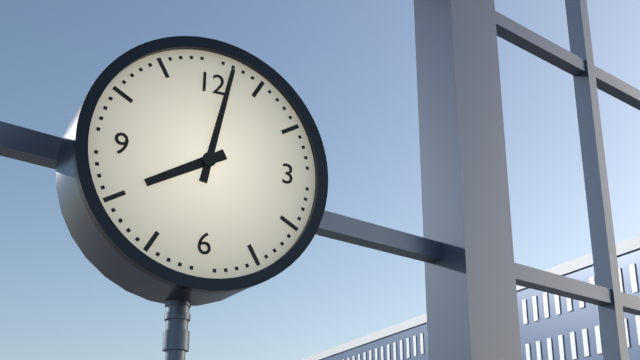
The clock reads h=8 m=2
